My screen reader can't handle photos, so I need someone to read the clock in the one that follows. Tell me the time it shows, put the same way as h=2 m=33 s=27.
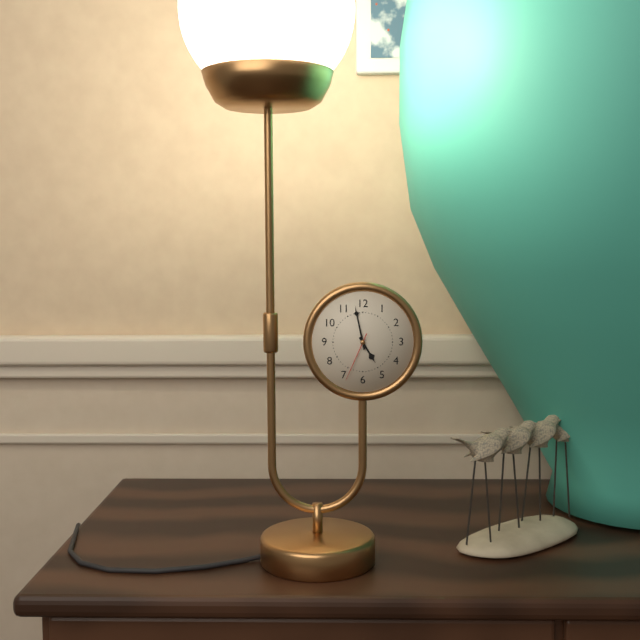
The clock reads h=4 m=58 s=34
